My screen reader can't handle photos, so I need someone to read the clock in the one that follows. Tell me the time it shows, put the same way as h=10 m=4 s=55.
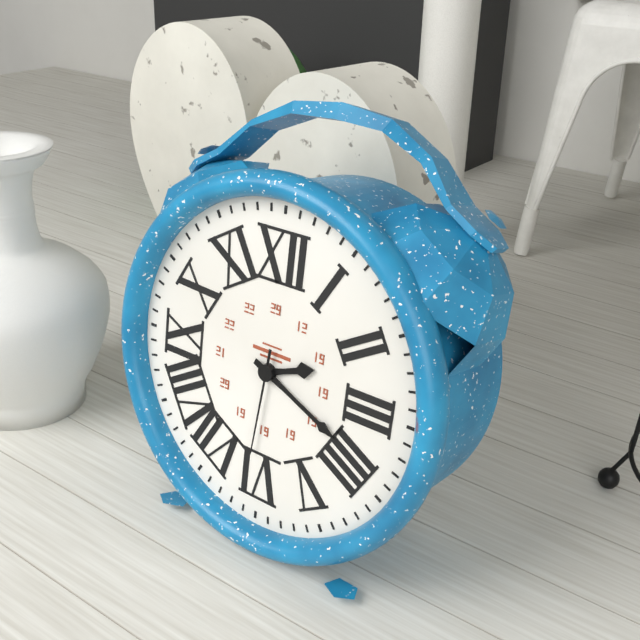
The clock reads h=2 m=19 s=31
